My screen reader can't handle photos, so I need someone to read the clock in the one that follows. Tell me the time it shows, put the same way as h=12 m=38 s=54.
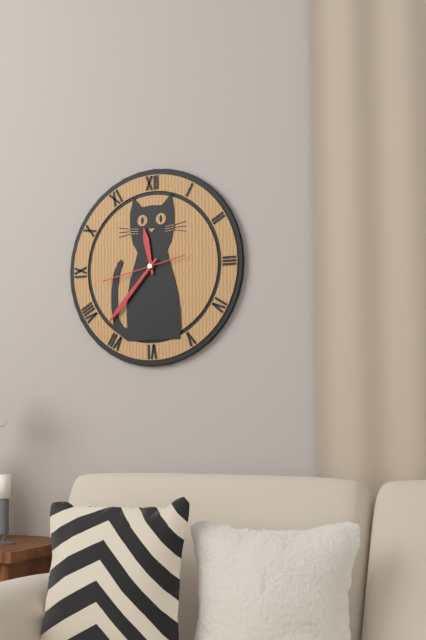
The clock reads h=11 m=37 s=43
